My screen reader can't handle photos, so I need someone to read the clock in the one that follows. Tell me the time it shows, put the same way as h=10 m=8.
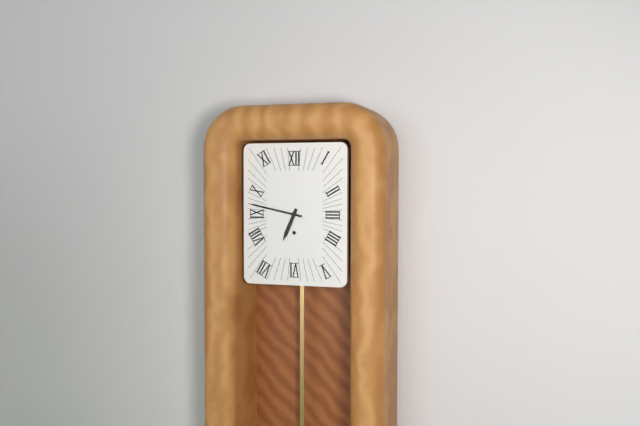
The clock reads h=6 m=47
